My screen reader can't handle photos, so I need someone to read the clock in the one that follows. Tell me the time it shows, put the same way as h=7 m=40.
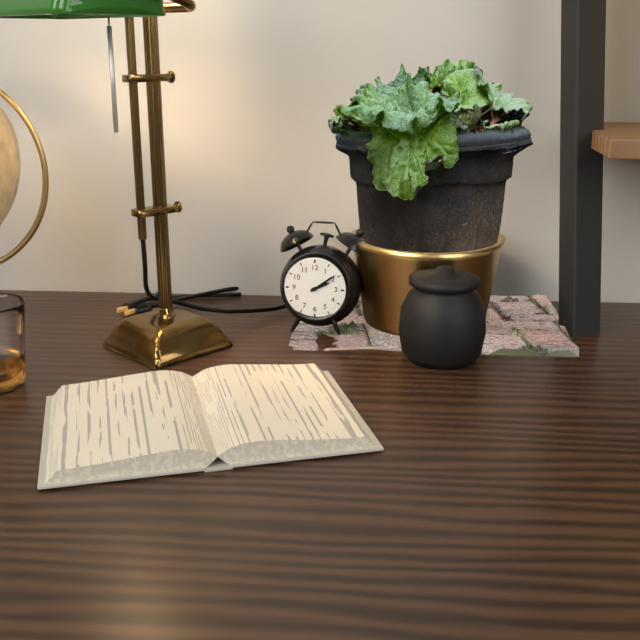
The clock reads h=2 m=9
